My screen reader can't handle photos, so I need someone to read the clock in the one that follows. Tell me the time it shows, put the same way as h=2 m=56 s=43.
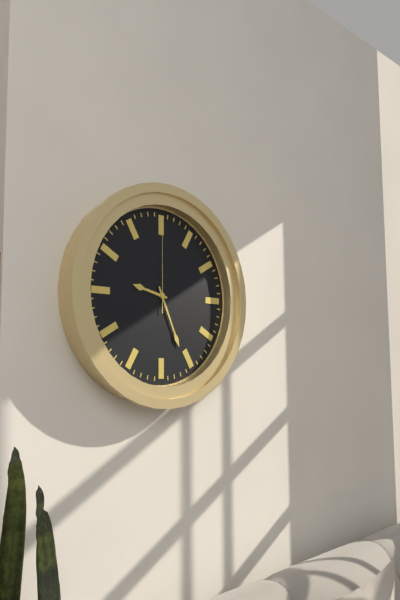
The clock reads h=9 m=26 s=0
